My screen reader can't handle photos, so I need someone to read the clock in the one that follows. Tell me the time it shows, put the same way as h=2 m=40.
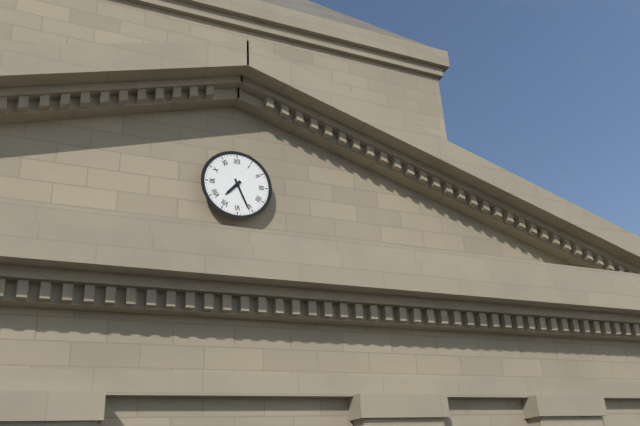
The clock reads h=7 m=26
